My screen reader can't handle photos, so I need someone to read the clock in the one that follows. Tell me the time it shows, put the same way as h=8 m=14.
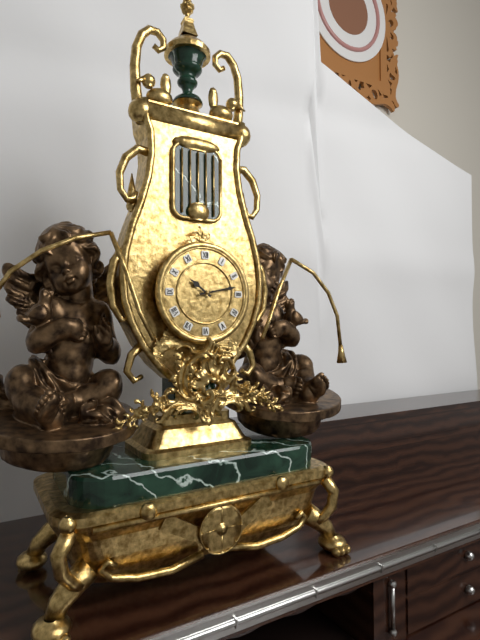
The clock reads h=10 m=13
